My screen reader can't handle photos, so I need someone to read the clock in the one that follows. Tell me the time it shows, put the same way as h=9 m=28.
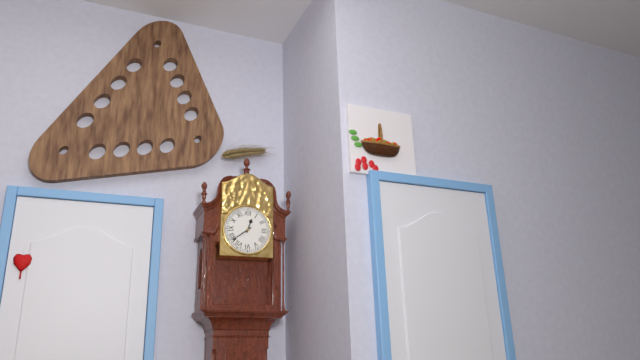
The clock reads h=12 m=39
